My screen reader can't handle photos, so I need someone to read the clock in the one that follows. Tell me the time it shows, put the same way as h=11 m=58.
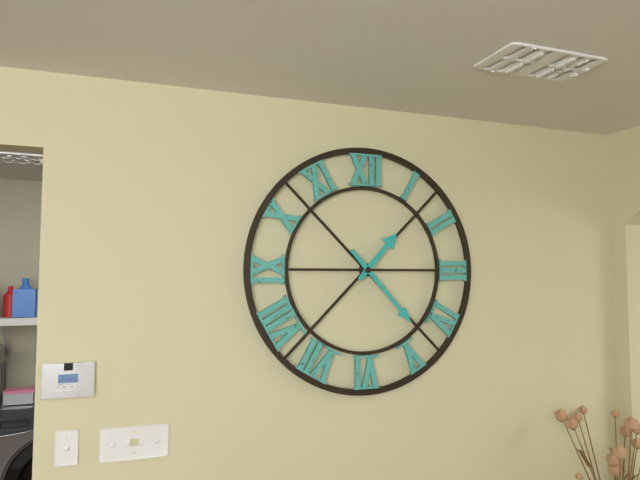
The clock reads h=1 m=23
